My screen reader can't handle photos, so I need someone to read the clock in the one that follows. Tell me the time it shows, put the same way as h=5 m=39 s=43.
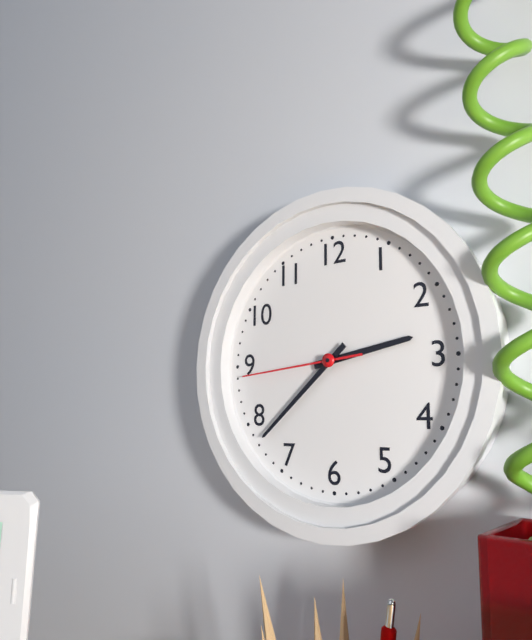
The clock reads h=2 m=38 s=44
